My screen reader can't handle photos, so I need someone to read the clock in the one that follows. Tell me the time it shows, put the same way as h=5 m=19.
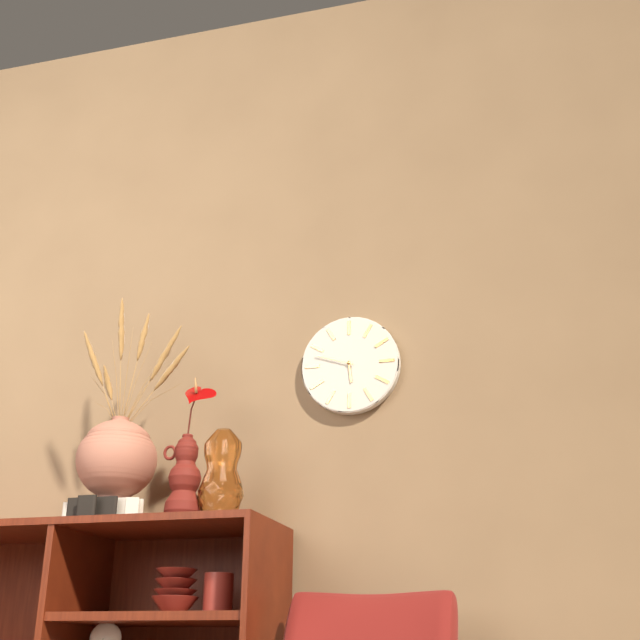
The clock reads h=5 m=48
